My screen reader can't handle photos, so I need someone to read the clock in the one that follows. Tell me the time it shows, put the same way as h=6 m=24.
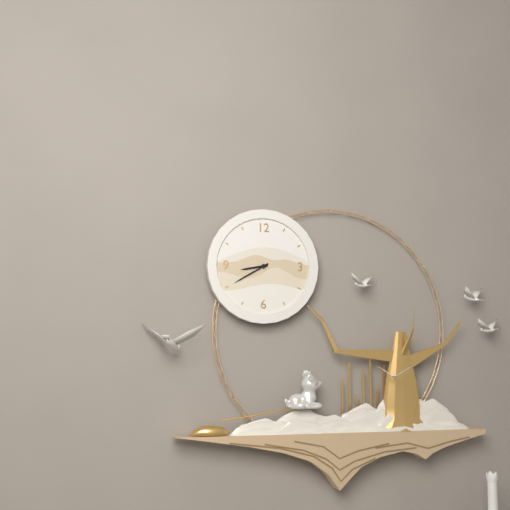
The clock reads h=8 m=40
